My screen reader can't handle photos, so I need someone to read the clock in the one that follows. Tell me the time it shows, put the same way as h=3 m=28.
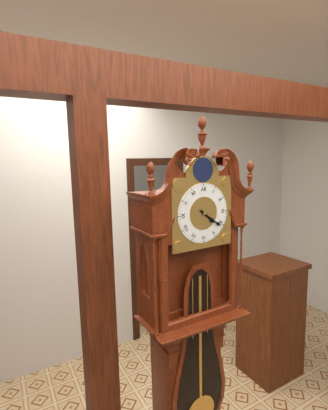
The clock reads h=4 m=21
